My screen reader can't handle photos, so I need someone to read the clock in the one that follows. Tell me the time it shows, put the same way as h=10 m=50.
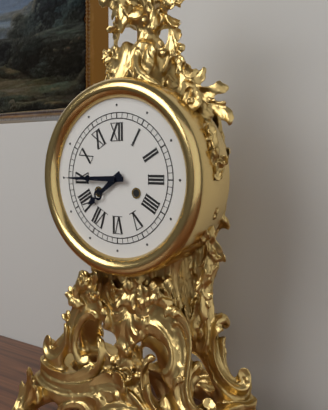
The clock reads h=7 m=45
